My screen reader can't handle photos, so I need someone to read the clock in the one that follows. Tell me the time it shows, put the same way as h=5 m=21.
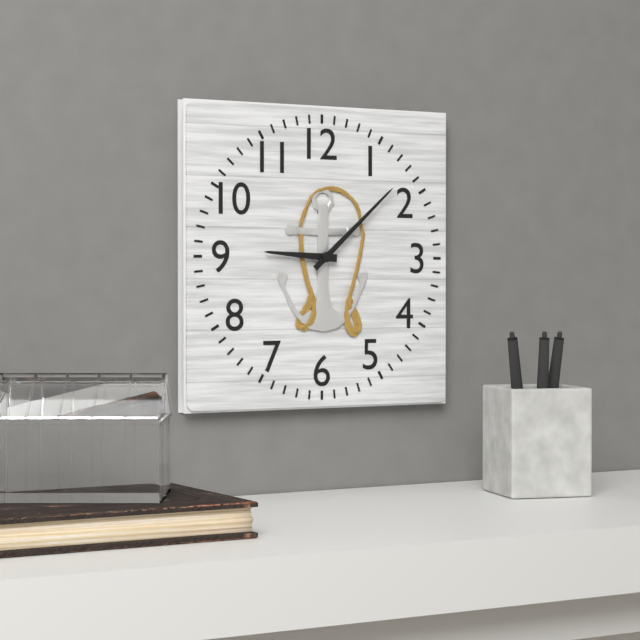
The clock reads h=9 m=8
